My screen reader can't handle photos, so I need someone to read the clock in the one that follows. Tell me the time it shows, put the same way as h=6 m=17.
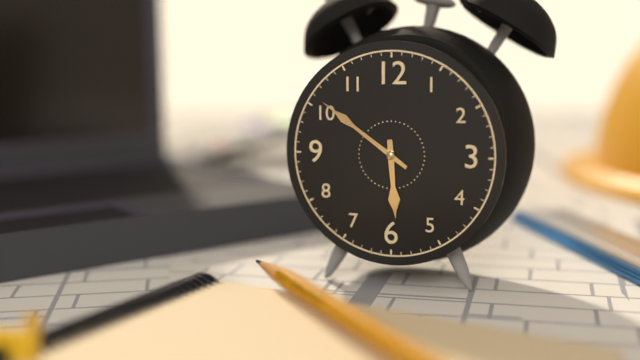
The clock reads h=5 m=51
